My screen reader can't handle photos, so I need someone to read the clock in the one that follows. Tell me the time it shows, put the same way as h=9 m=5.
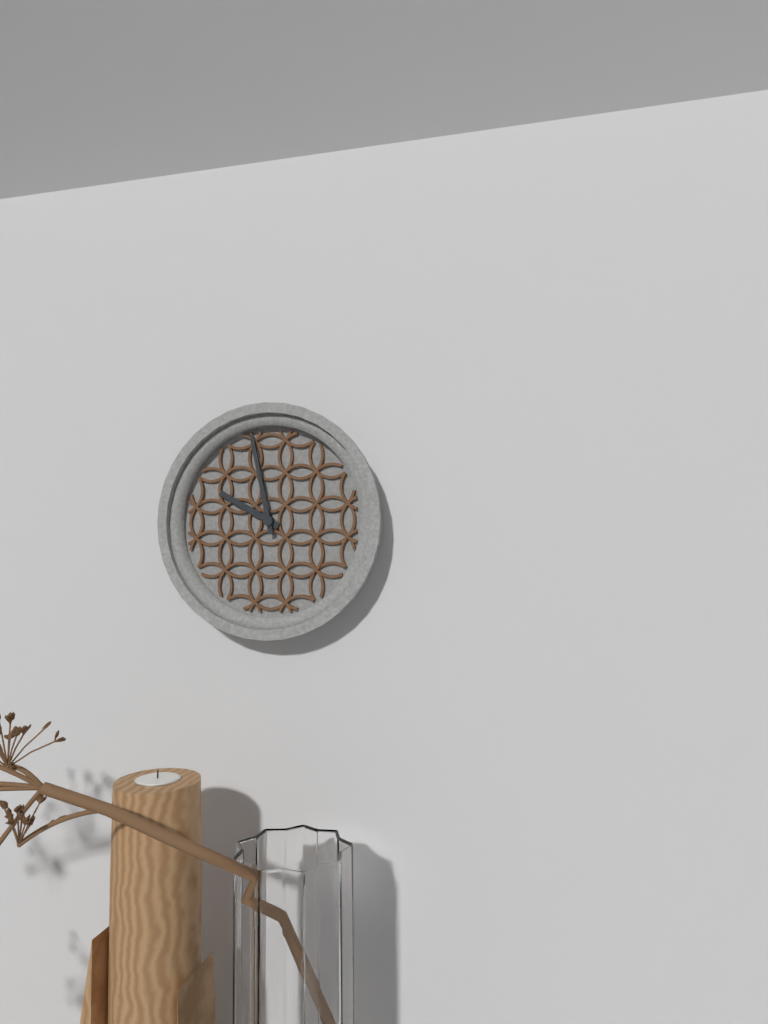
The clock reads h=9 m=58
